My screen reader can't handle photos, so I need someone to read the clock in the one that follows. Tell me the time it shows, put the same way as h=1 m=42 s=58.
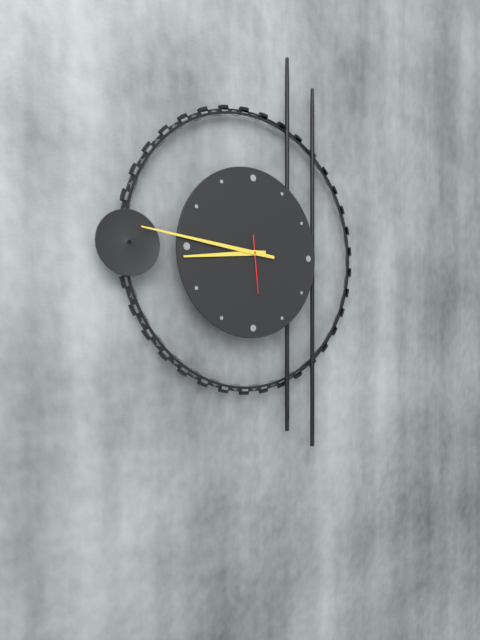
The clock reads h=8 m=46 s=29
